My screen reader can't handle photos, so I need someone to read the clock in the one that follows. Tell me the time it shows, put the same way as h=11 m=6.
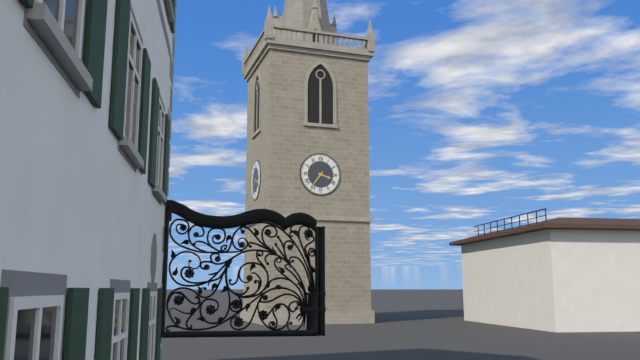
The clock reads h=3 m=36
